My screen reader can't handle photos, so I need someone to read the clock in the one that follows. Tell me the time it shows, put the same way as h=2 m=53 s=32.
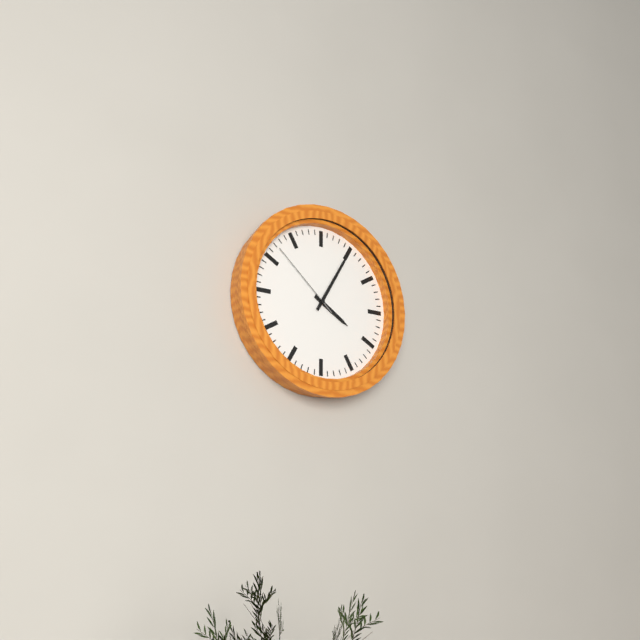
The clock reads h=4 m=5 s=52
